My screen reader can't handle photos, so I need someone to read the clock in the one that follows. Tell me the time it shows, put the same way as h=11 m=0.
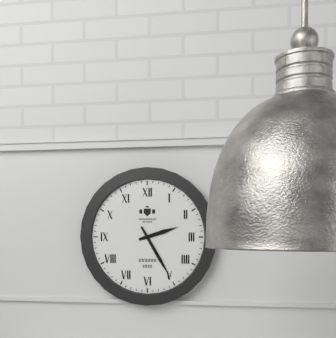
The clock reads h=2 m=25
